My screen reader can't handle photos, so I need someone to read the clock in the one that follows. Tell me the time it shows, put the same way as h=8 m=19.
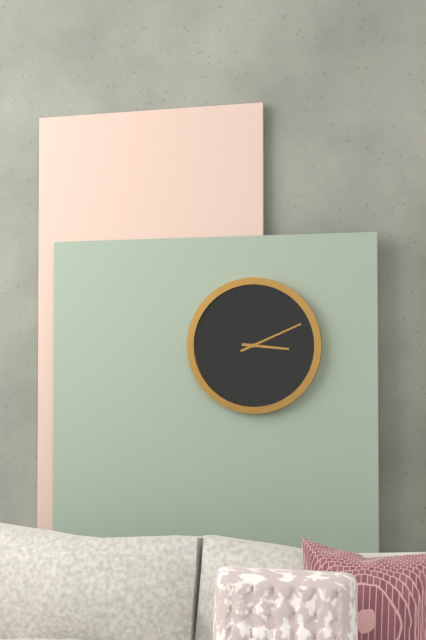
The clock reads h=3 m=11
